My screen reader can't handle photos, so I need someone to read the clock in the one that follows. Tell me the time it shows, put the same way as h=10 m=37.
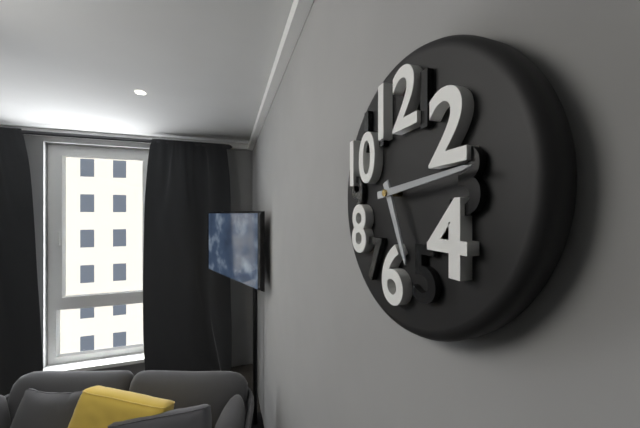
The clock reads h=5 m=14
